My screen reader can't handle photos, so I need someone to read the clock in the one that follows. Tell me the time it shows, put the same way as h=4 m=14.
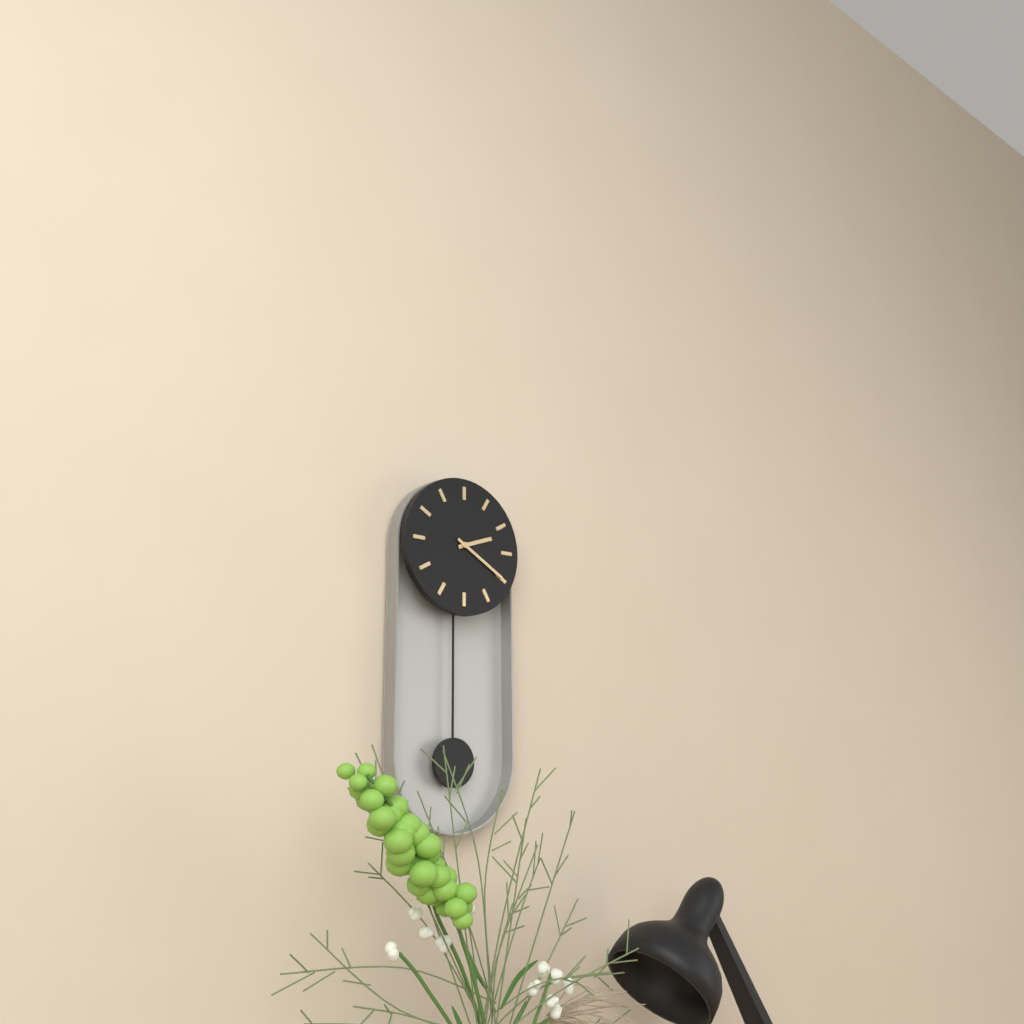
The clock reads h=2 m=20
